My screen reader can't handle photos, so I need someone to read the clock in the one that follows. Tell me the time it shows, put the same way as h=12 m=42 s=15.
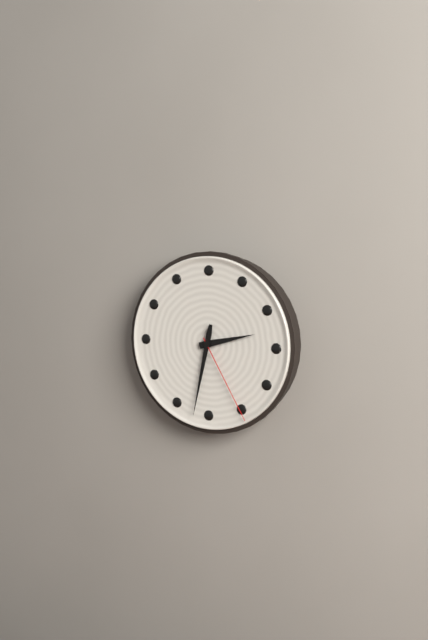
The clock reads h=2 m=32 s=25
